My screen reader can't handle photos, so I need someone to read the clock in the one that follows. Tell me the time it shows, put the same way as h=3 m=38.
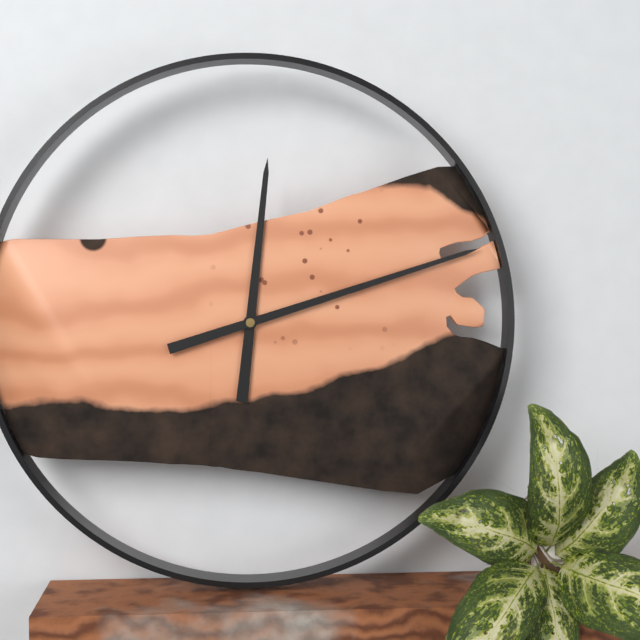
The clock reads h=12 m=12
